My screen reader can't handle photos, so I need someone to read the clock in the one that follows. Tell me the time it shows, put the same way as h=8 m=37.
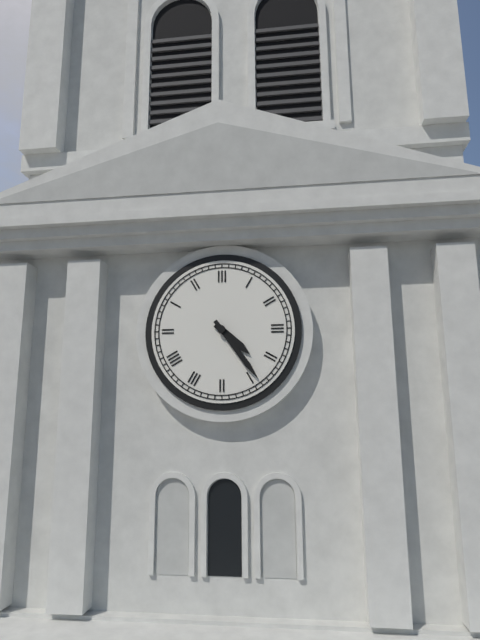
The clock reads h=4 m=24
